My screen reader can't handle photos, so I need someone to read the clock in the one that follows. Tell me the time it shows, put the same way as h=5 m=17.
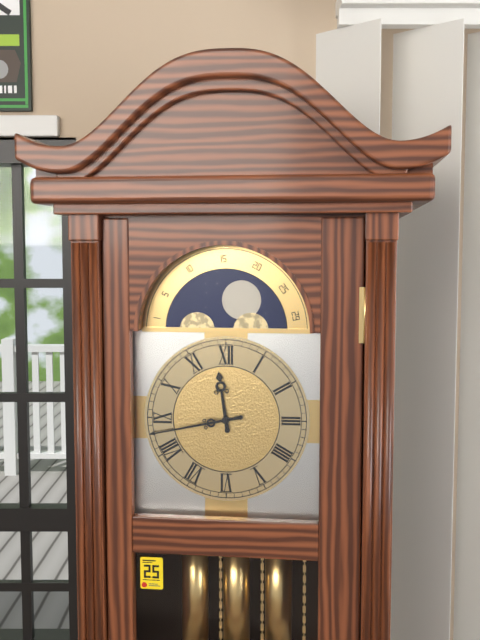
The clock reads h=11 m=43
